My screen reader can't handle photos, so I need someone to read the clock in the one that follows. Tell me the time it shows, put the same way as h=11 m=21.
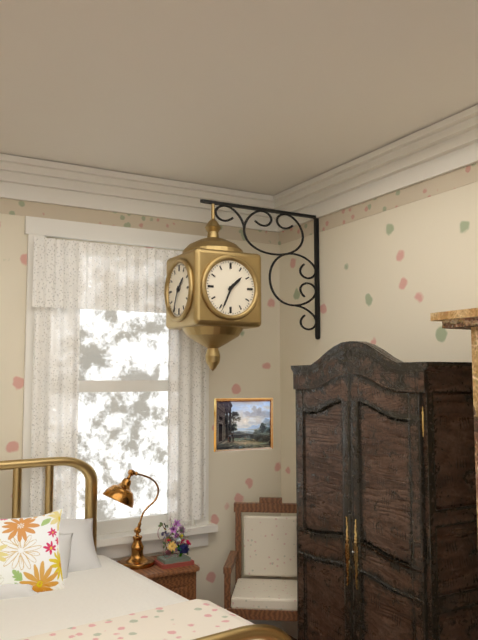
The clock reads h=1 m=34
